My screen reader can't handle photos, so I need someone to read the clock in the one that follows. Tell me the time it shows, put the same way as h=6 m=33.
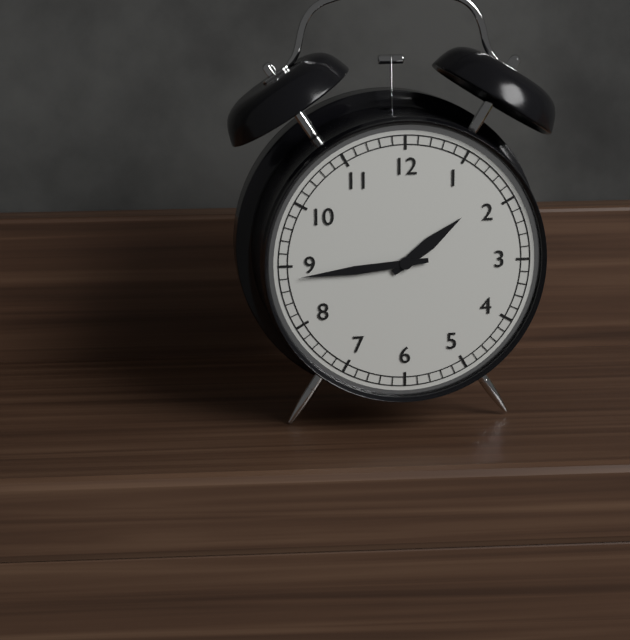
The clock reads h=1 m=44
